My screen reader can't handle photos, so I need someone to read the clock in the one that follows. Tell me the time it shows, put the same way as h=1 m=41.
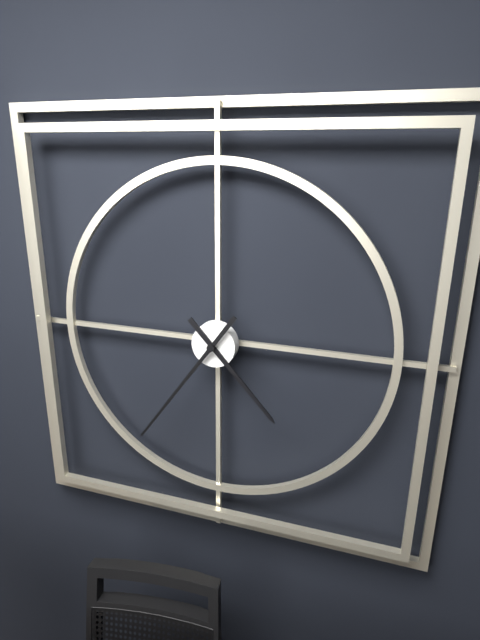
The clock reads h=4 m=36
